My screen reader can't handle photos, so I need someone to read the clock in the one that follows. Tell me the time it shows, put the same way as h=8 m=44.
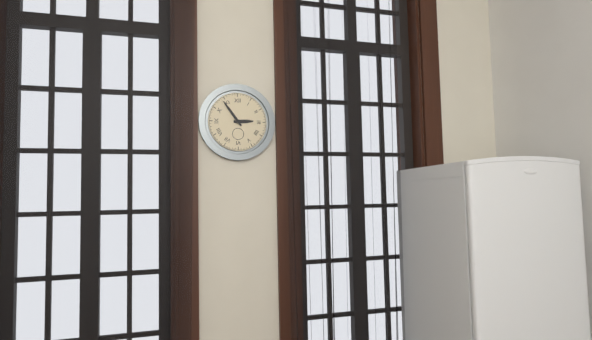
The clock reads h=2 m=54
